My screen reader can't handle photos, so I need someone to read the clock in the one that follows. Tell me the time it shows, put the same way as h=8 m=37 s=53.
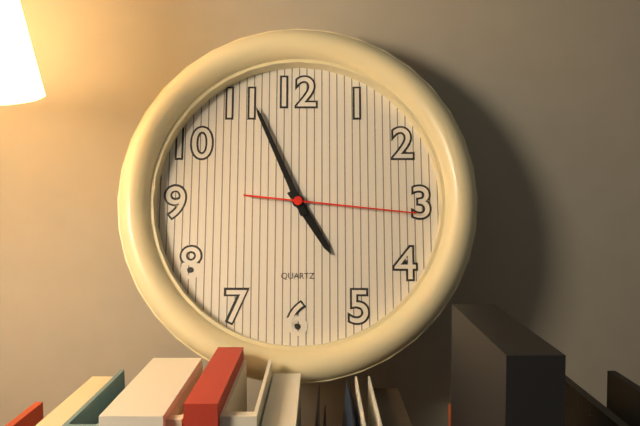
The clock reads h=4 m=56 s=16
